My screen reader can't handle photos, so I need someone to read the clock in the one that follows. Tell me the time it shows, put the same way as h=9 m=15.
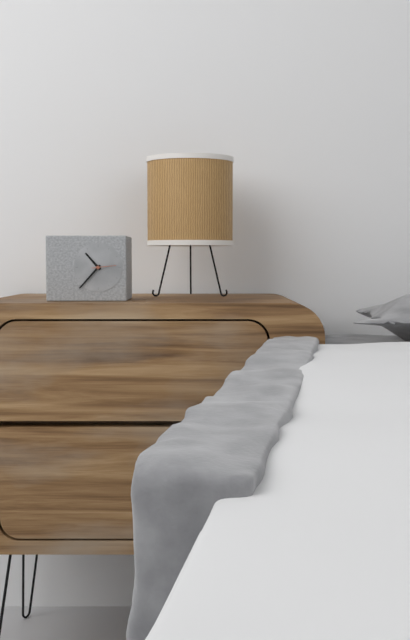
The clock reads h=10 m=37
